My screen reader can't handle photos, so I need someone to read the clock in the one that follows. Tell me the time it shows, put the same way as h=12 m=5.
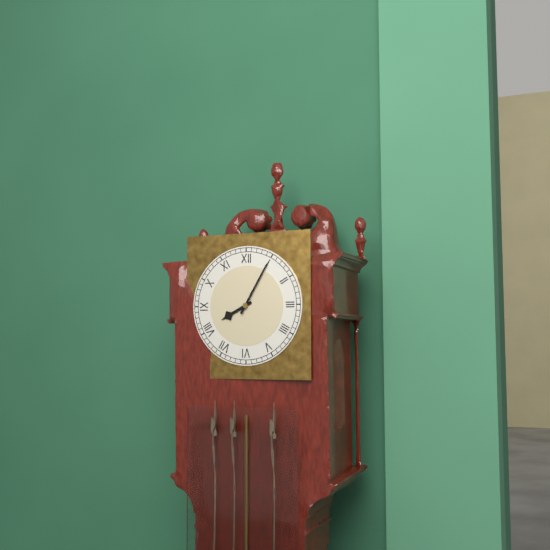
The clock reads h=8 m=5
